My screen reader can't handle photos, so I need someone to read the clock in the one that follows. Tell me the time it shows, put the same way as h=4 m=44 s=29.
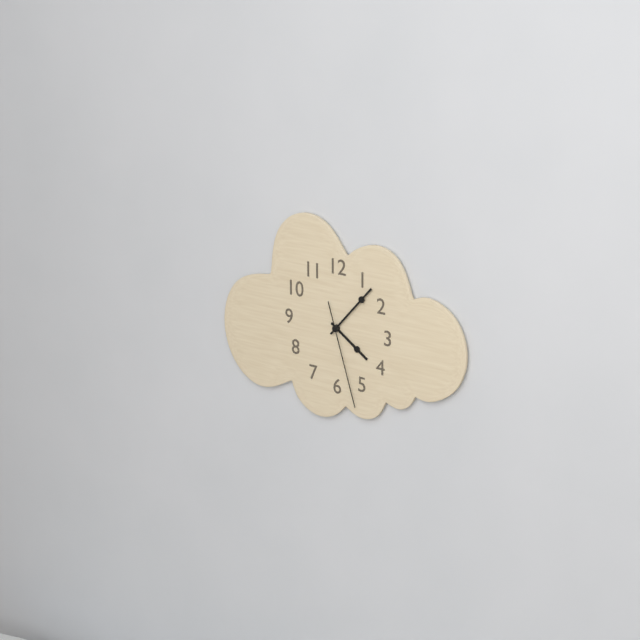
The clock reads h=4 m=7 s=27
